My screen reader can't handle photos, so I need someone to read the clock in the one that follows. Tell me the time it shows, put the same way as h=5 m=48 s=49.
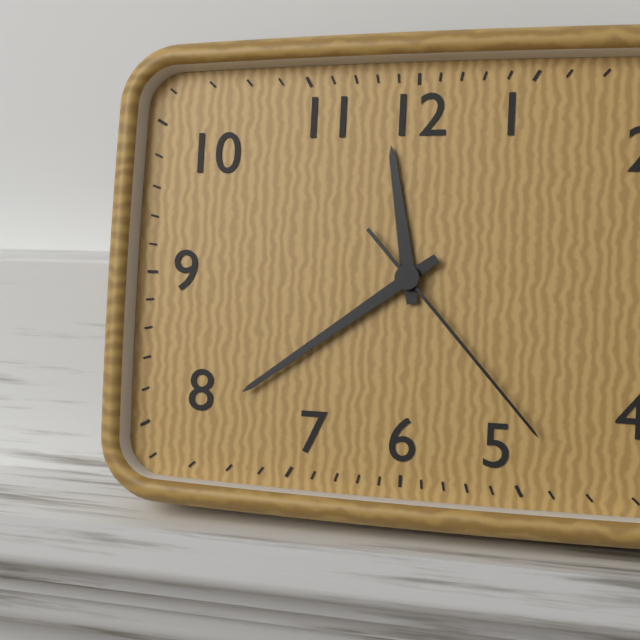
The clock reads h=11 m=39 s=23
